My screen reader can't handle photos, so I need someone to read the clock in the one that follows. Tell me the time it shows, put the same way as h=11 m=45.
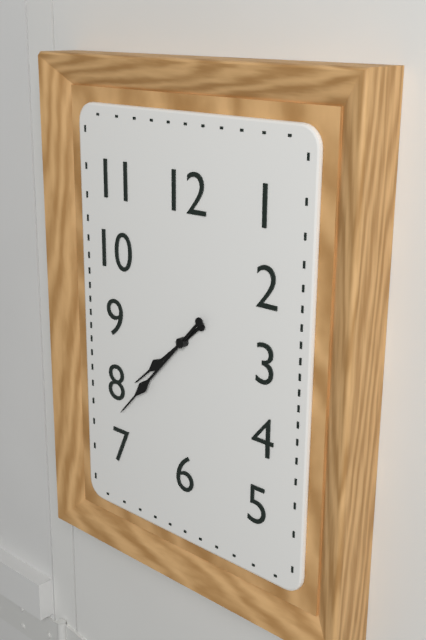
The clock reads h=7 m=37
